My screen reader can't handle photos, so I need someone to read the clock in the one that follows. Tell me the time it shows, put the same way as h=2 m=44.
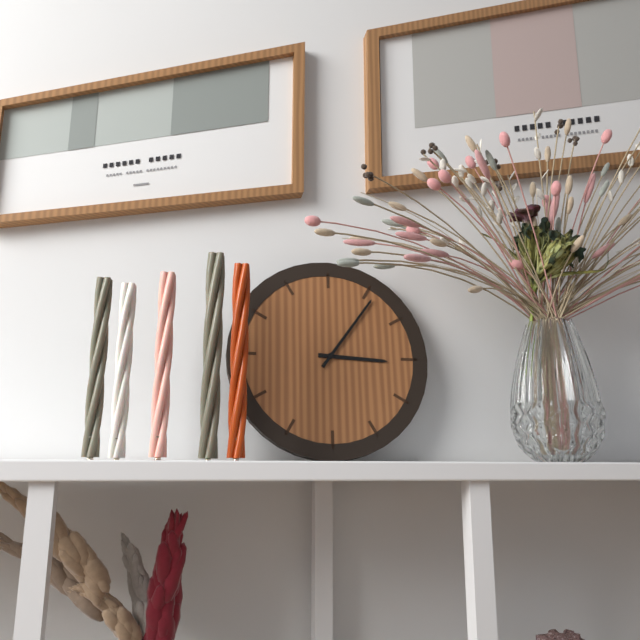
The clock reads h=3 m=6
